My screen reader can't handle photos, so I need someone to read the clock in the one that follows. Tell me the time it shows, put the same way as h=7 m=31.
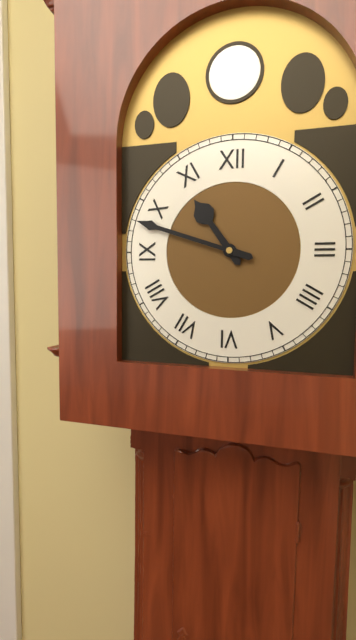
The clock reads h=10 m=48
